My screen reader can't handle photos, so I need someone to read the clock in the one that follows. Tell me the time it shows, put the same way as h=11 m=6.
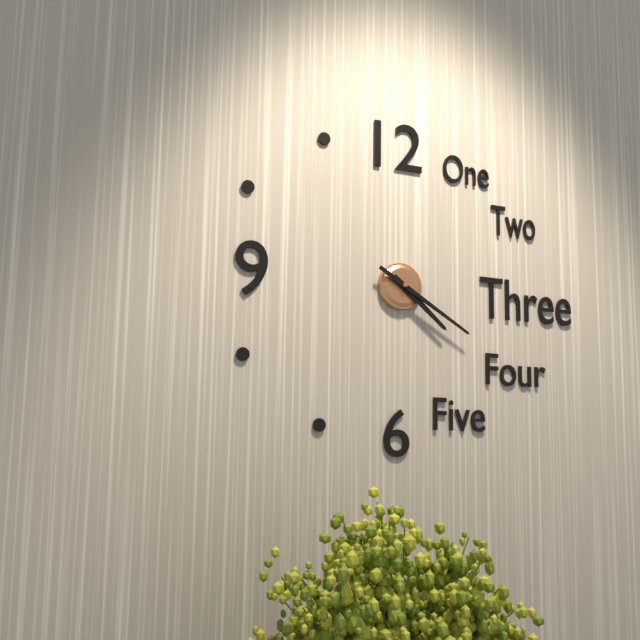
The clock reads h=4 m=20
